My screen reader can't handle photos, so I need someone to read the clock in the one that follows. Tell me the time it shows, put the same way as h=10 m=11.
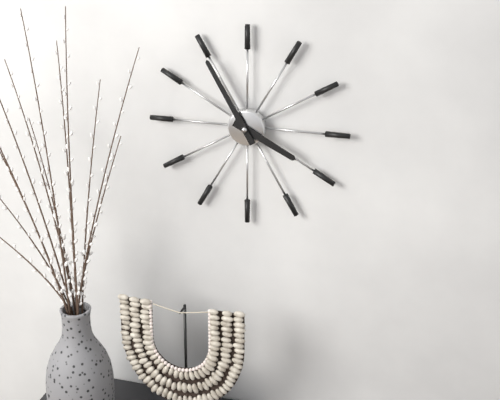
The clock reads h=3 m=55
